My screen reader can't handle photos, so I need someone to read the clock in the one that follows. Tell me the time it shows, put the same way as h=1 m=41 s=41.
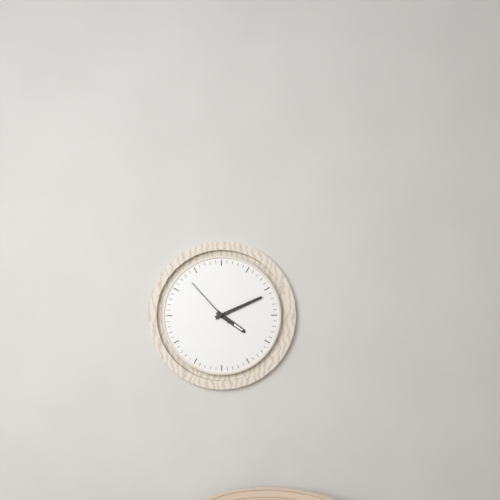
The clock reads h=4 m=11 s=53
